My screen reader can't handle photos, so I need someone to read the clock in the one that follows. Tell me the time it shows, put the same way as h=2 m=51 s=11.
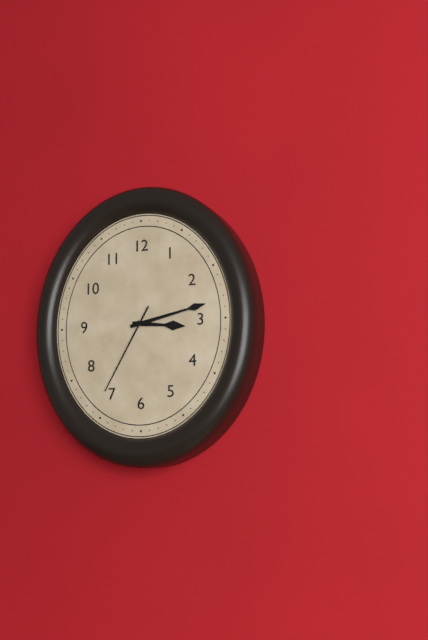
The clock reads h=3 m=13 s=35
